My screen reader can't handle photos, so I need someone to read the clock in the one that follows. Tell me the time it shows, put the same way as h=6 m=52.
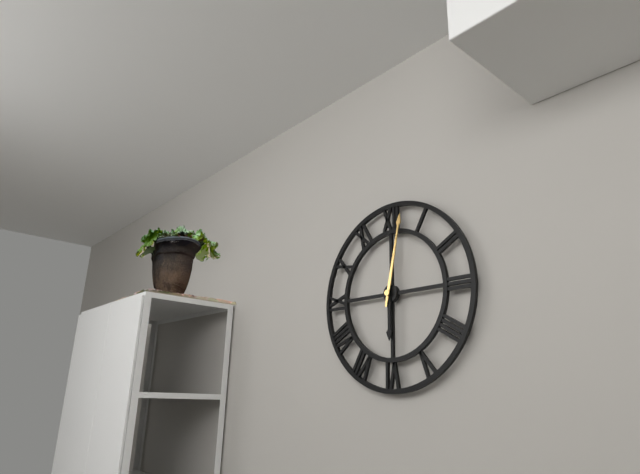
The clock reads h=6 m=2
